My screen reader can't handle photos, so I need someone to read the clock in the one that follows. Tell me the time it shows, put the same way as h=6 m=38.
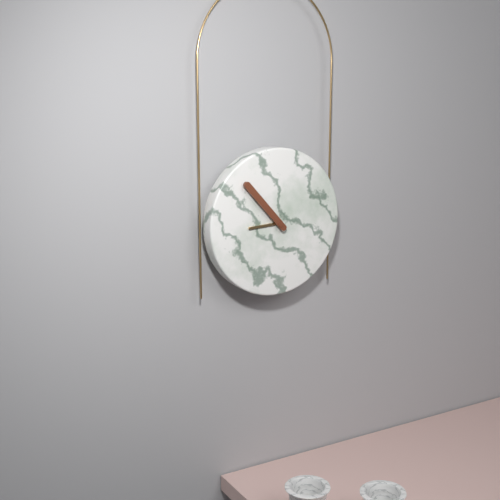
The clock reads h=8 m=53
